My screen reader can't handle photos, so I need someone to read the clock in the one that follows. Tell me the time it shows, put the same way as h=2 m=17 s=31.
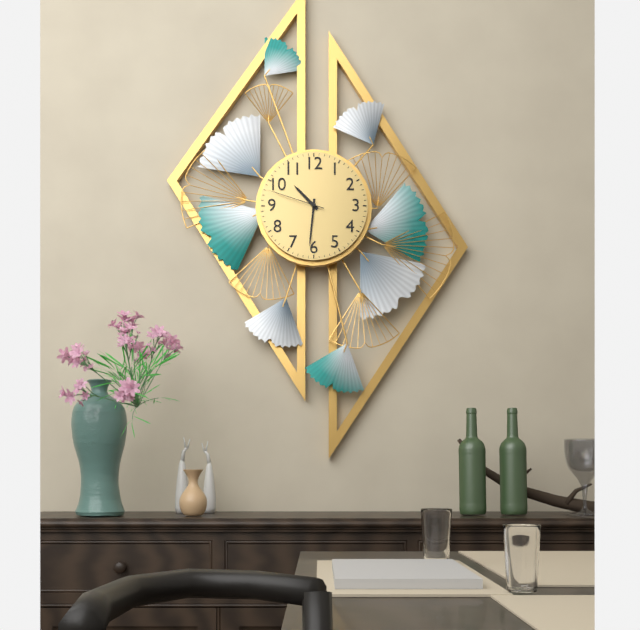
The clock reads h=10 m=31 s=48
